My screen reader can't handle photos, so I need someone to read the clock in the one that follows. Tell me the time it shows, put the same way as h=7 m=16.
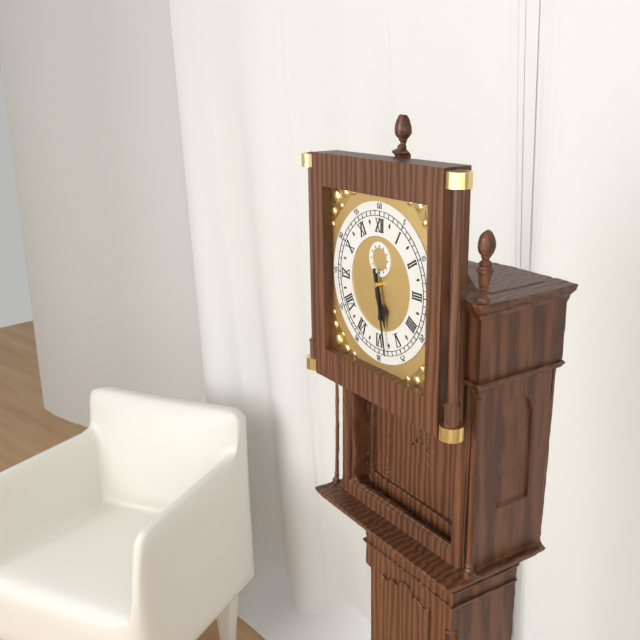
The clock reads h=5 m=28
